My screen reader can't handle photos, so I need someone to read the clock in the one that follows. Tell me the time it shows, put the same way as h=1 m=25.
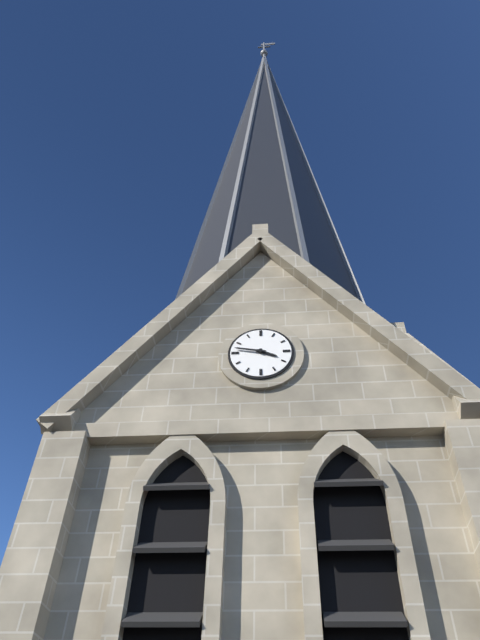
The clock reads h=3 m=47
